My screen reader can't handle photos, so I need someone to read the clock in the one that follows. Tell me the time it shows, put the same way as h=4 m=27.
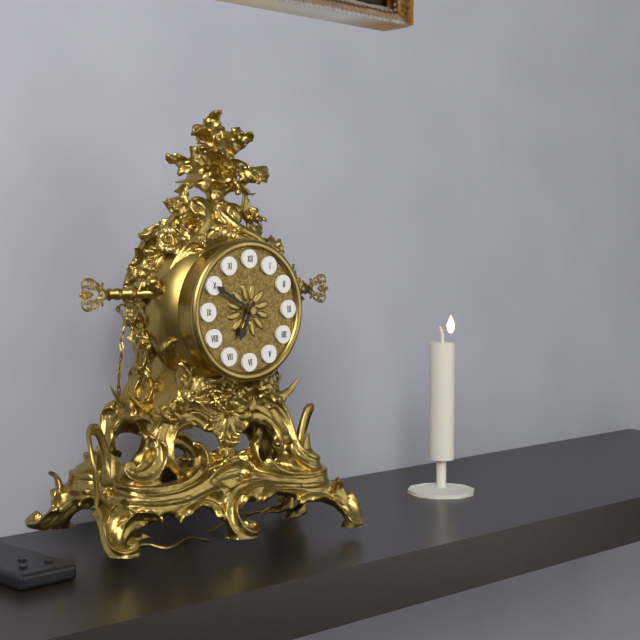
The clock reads h=6 m=50
